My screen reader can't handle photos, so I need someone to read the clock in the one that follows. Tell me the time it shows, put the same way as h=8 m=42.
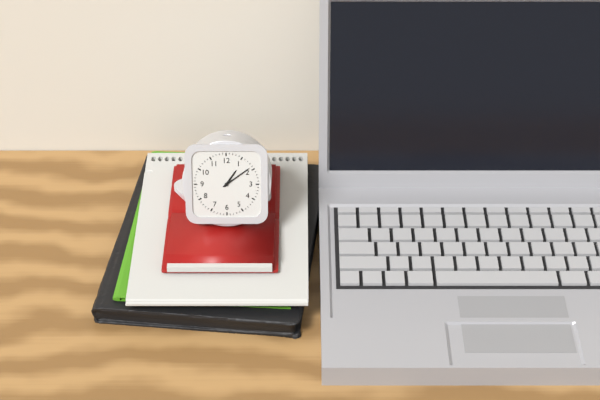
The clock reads h=1 m=9
